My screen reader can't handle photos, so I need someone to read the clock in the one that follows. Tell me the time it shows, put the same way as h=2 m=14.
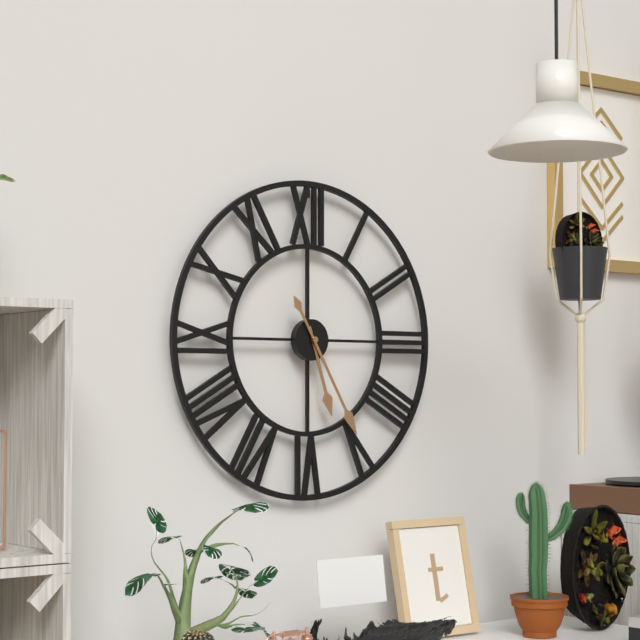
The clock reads h=5 m=25
